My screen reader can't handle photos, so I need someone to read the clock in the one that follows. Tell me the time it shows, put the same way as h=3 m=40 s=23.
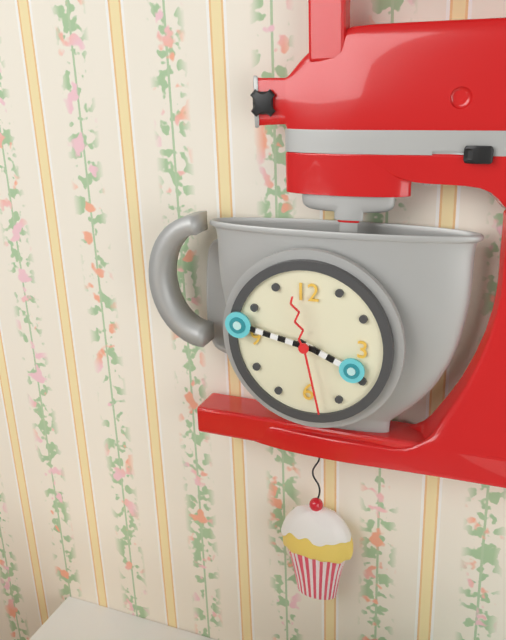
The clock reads h=3 m=47 s=28
